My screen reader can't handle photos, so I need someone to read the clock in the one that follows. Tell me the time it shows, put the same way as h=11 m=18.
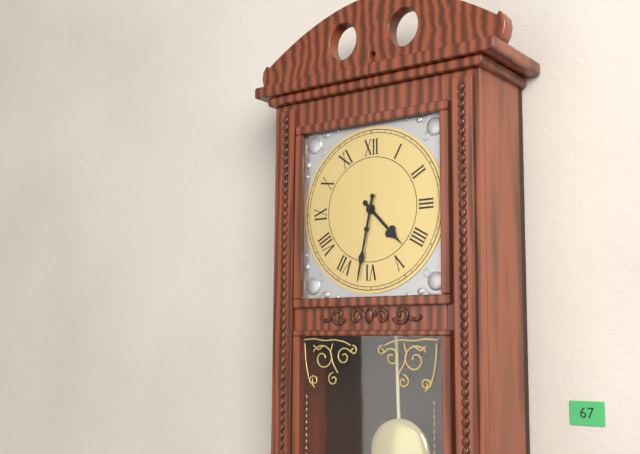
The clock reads h=4 m=32
